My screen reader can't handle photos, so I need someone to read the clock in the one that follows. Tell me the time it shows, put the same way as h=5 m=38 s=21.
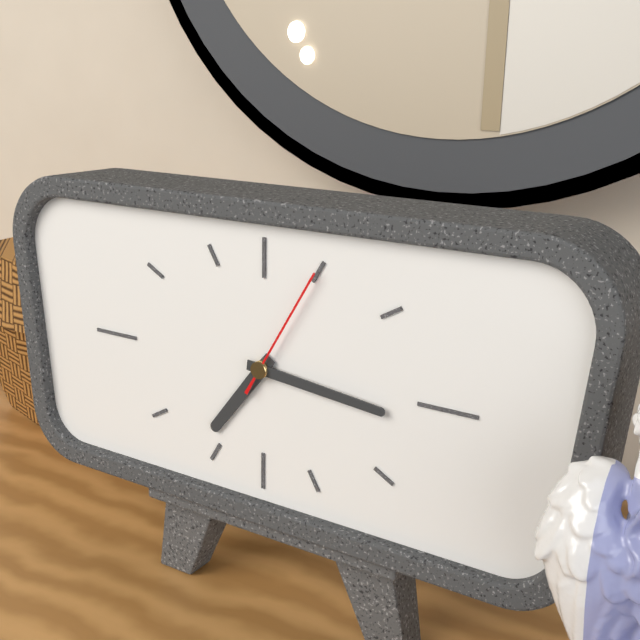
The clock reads h=7 m=16 s=5
